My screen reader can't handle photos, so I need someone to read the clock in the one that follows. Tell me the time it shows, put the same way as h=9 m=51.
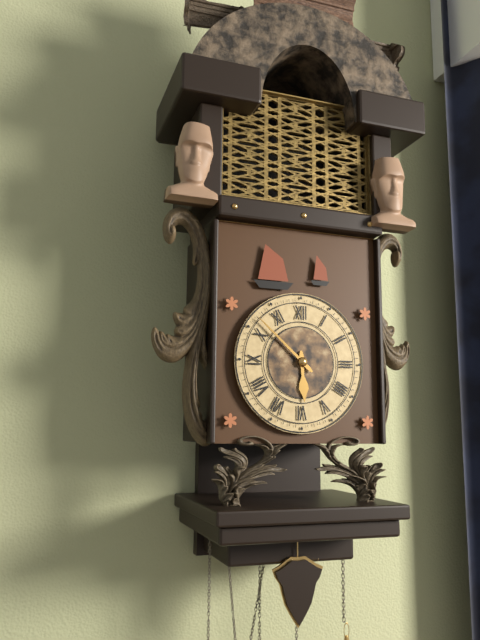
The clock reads h=5 m=52
